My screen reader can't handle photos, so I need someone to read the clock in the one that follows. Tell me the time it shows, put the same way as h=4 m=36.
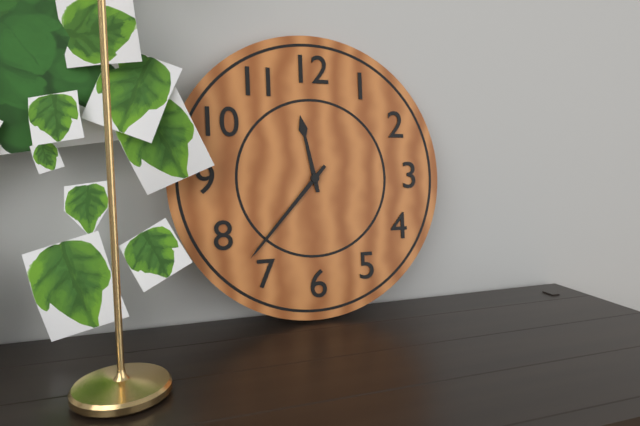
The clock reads h=11 m=37
